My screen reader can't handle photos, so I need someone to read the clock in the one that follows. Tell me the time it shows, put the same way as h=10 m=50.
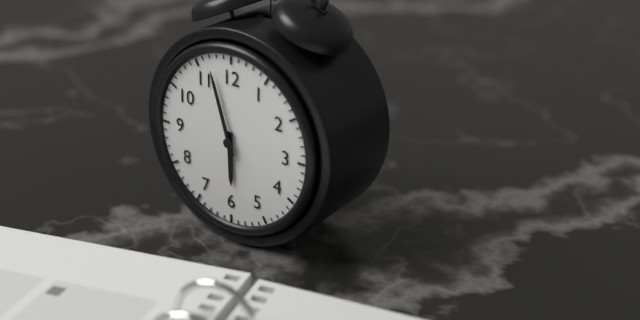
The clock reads h=5 m=57
